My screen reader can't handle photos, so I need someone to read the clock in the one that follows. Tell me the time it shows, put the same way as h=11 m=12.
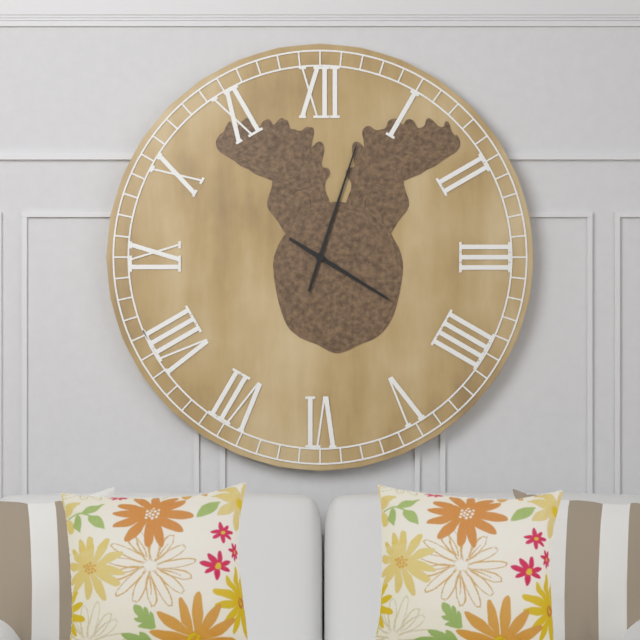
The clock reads h=4 m=3
